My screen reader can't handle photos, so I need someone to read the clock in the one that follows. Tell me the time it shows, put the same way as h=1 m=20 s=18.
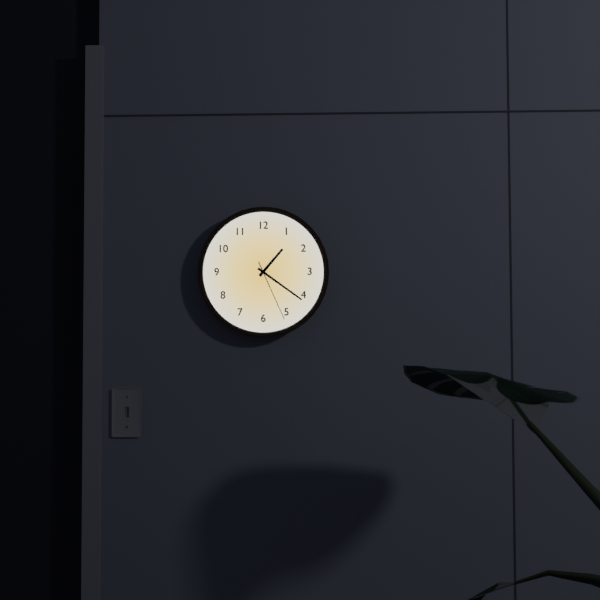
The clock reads h=1 m=21 s=26
